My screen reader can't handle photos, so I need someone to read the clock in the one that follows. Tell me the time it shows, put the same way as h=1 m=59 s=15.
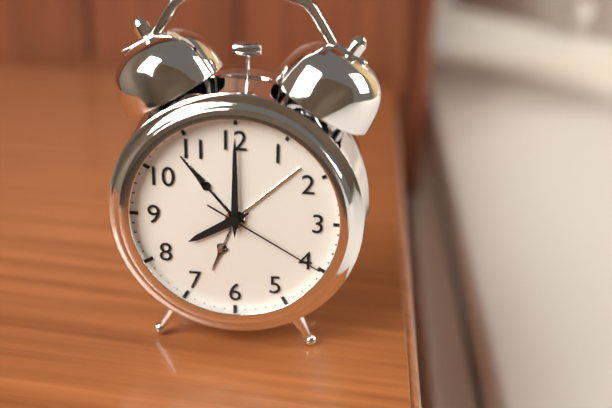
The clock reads h=8 m=0 s=20
